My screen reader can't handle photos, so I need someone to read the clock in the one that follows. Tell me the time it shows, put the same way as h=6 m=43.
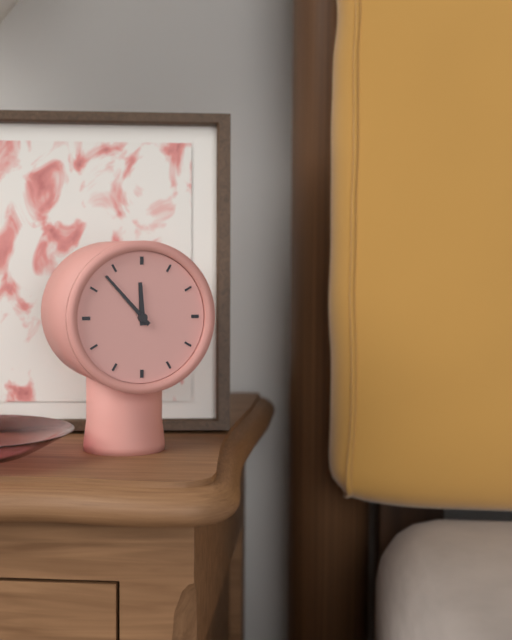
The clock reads h=11 m=53
